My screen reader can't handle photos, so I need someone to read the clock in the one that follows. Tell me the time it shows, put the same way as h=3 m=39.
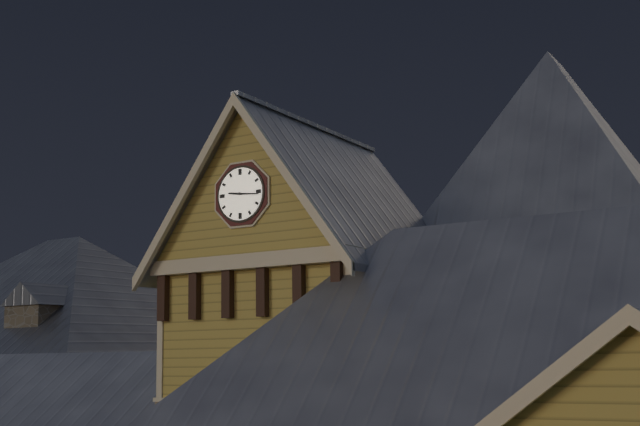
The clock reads h=9 m=16
